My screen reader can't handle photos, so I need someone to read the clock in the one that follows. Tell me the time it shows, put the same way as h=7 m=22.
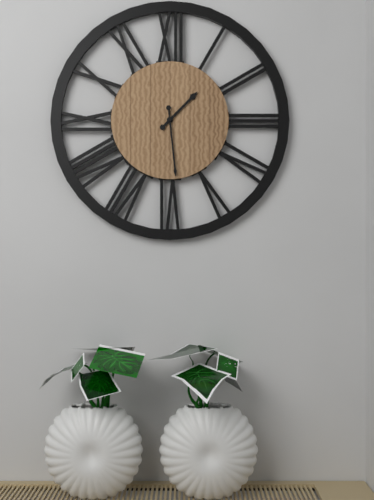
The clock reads h=1 m=29
